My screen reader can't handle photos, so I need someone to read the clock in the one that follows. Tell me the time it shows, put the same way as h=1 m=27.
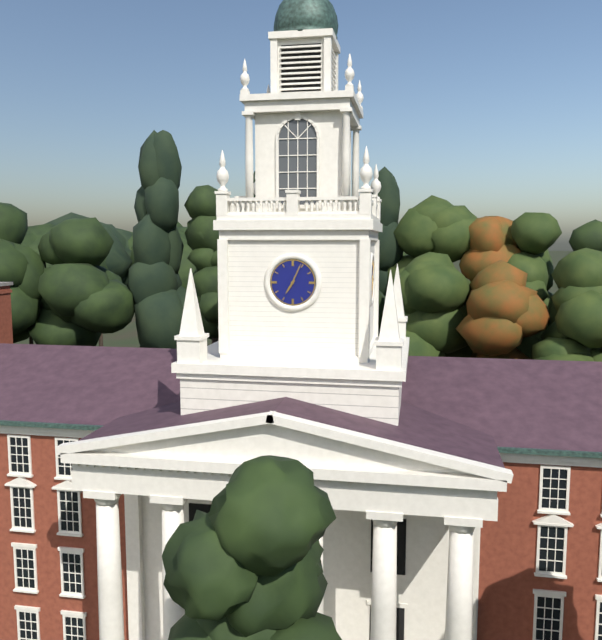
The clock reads h=7 m=4
